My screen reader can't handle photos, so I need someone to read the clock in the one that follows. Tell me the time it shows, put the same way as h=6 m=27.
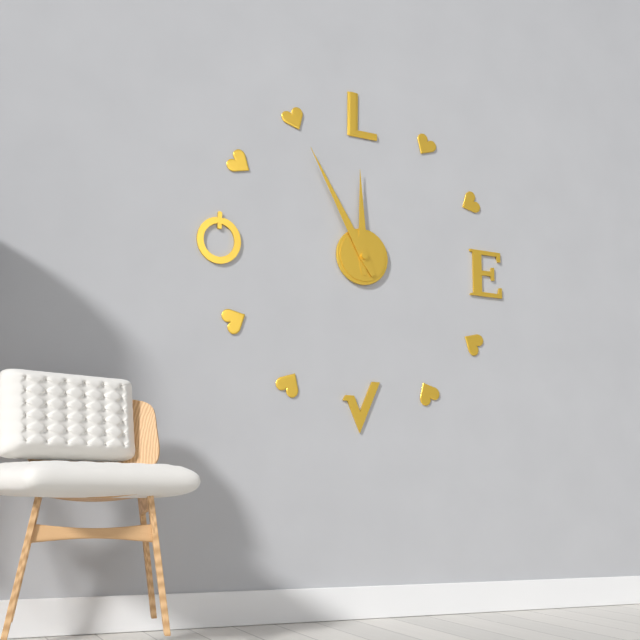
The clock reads h=11 m=55
